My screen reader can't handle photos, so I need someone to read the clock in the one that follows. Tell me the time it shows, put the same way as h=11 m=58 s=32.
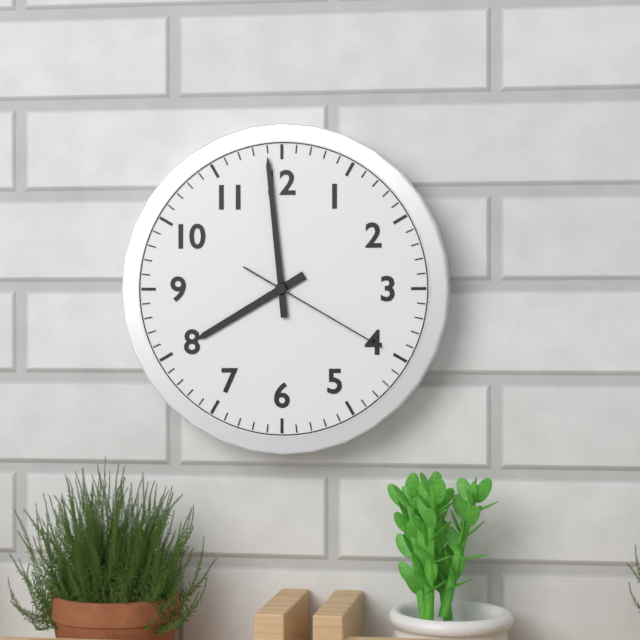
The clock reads h=7 m=59 s=20
